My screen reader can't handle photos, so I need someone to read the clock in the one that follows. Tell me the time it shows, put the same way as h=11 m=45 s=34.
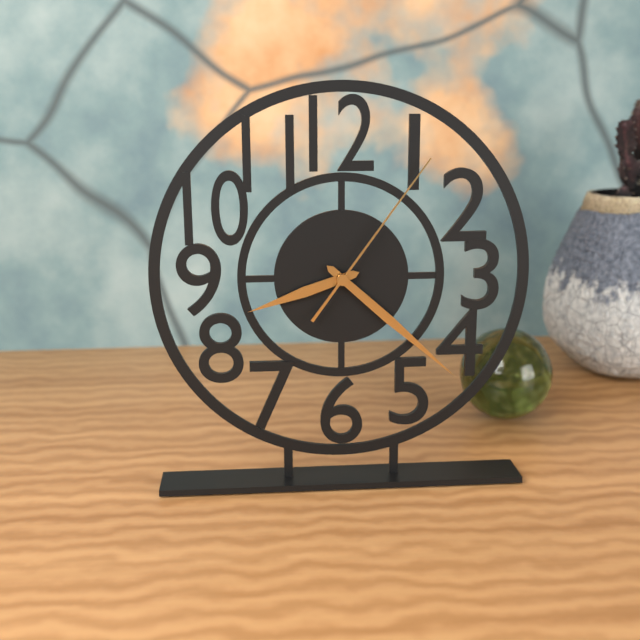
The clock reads h=8 m=22 s=6
